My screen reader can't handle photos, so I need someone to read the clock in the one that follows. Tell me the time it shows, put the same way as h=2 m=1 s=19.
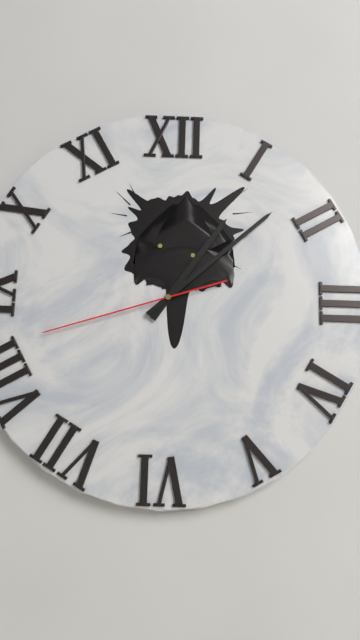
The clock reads h=1 m=8 s=42
